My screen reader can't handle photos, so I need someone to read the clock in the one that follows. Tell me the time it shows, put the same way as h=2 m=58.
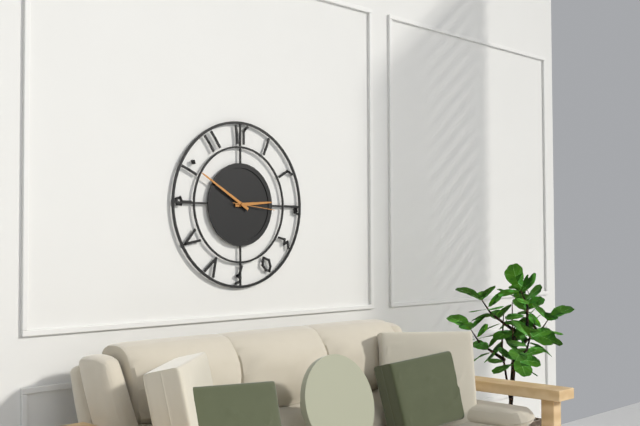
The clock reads h=2 m=50
